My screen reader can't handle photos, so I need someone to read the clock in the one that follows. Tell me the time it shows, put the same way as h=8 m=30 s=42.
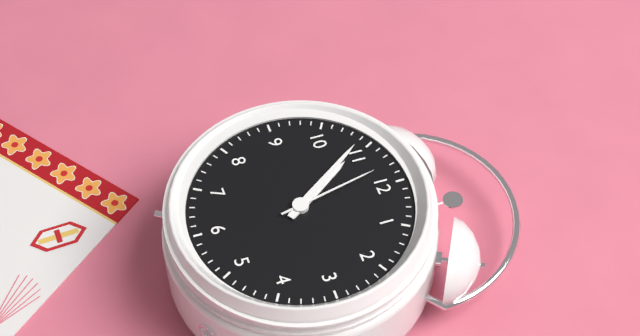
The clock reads h=10 m=54 s=58
